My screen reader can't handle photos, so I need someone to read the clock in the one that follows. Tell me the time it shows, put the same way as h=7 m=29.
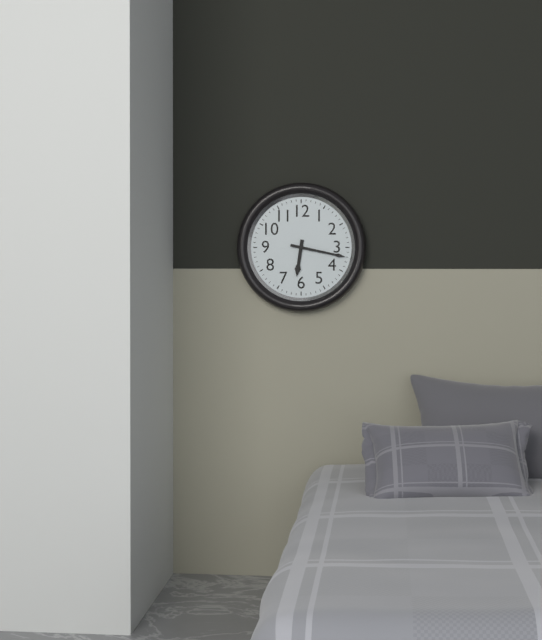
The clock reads h=6 m=17
